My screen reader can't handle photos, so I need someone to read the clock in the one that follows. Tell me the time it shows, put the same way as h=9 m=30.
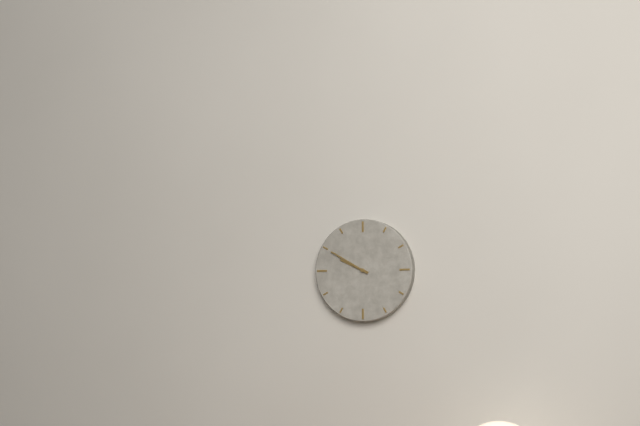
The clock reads h=9 m=50
